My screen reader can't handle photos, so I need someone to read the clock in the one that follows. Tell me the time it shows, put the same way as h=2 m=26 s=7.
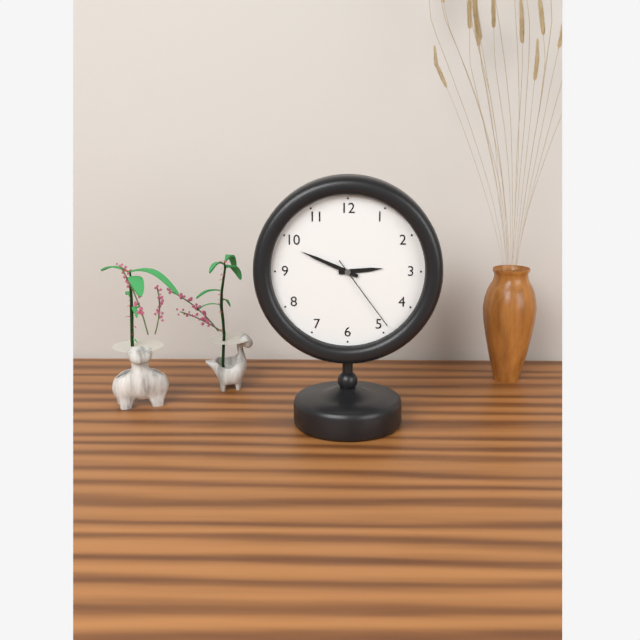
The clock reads h=2 m=49 s=24
